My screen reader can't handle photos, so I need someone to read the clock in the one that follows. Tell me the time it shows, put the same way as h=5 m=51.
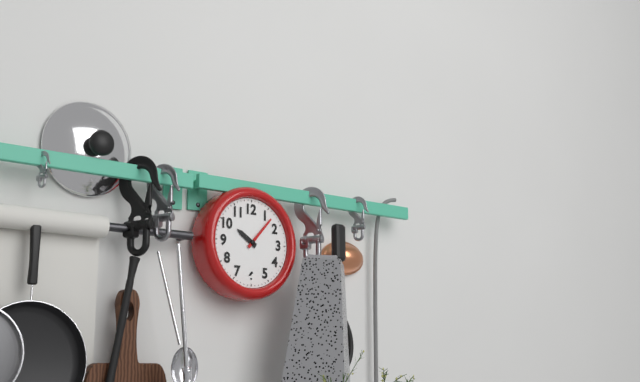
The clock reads h=10 m=7
